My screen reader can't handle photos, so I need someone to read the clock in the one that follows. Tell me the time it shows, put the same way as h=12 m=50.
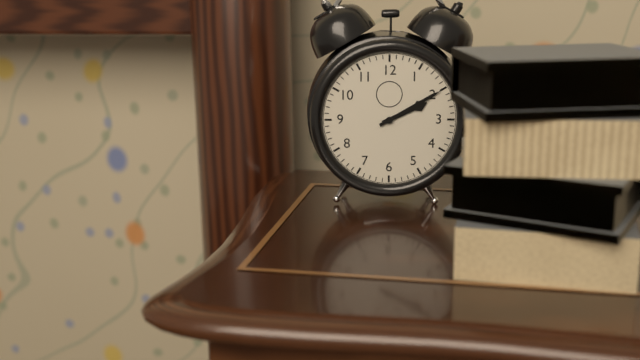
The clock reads h=2 m=10
